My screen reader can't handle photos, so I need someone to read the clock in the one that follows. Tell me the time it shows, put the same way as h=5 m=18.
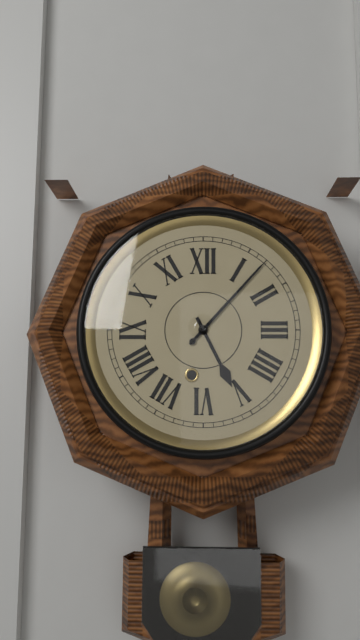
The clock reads h=5 m=7
